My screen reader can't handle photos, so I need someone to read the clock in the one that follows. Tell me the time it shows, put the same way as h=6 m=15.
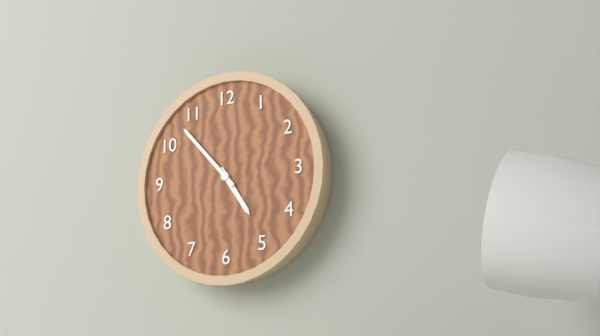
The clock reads h=4 m=53
